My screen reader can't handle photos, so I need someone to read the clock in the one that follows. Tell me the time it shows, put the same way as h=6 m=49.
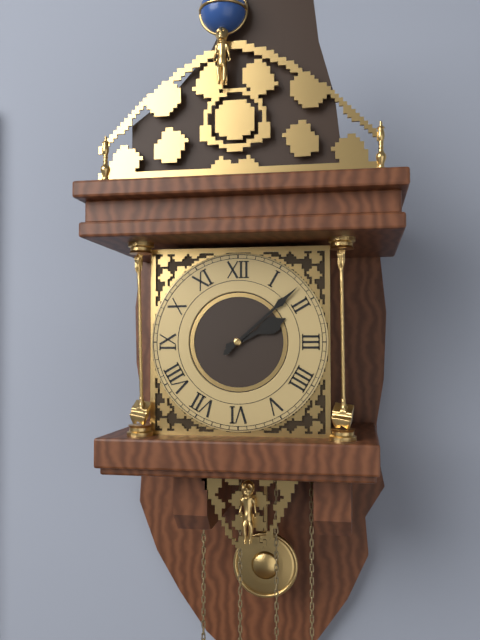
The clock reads h=2 m=8
